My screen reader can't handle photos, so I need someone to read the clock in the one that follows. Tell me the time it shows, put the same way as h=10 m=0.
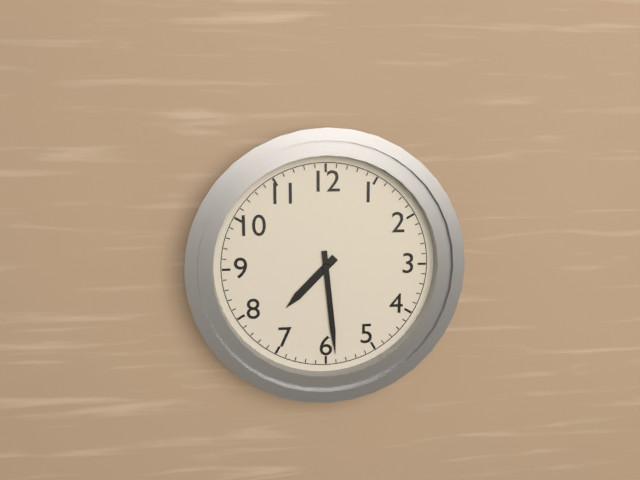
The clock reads h=7 m=29
